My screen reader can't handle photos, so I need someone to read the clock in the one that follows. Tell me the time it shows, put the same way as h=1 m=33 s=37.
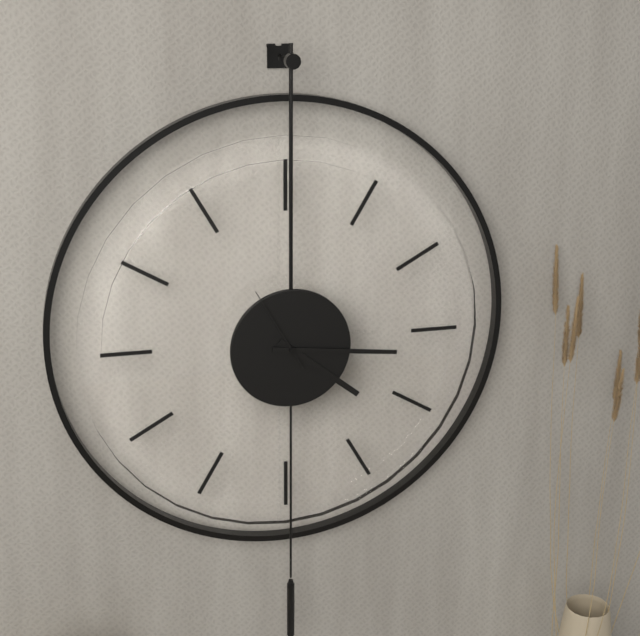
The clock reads h=4 m=16 s=55
